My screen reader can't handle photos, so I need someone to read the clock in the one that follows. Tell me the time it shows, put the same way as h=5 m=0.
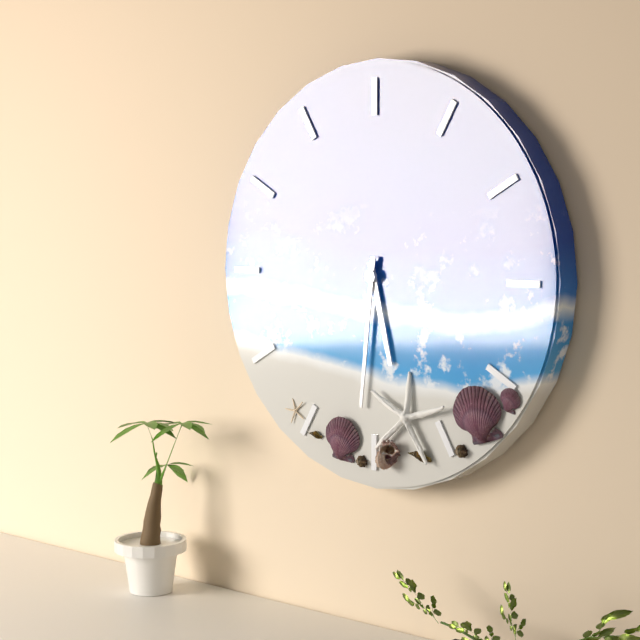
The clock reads h=5 m=31
